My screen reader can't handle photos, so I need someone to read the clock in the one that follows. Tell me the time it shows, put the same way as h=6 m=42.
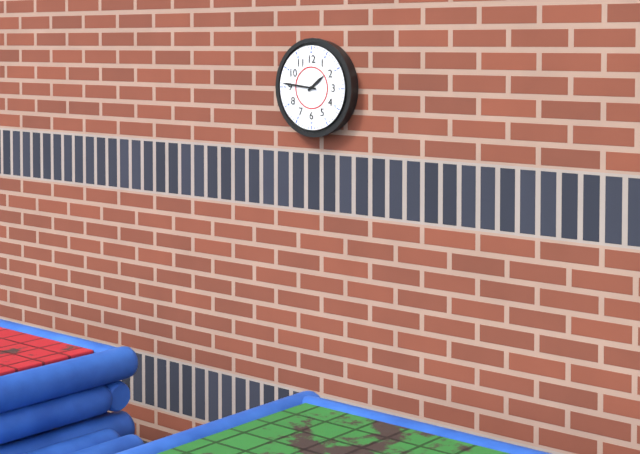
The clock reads h=1 m=46
